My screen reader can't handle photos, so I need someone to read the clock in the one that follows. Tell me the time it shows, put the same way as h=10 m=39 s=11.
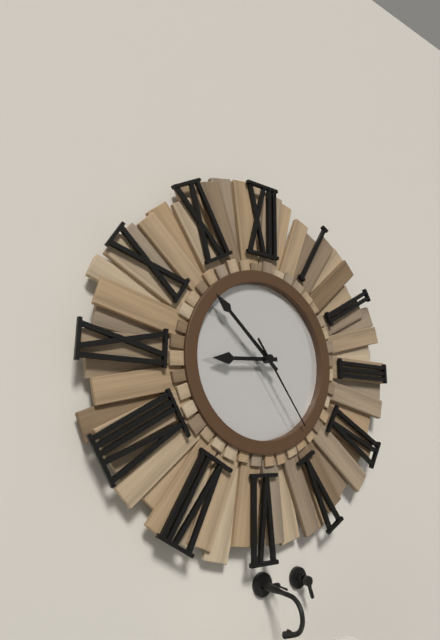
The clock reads h=8 m=52 s=24
